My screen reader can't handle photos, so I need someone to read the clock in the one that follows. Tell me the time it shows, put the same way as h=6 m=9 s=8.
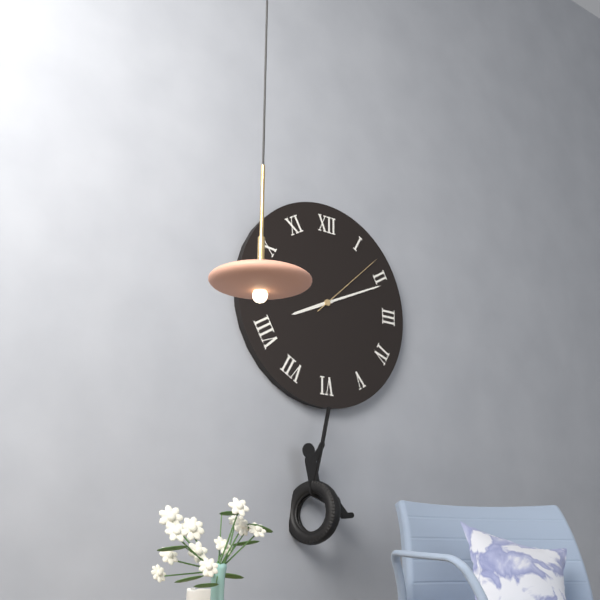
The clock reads h=8 m=11 s=8
